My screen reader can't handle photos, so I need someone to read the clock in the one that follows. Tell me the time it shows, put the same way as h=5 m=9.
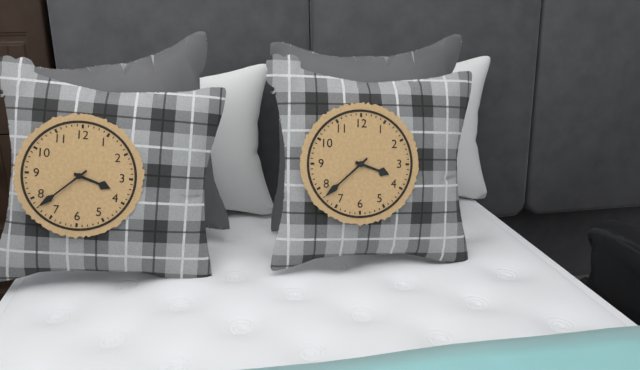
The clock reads h=3 m=38
